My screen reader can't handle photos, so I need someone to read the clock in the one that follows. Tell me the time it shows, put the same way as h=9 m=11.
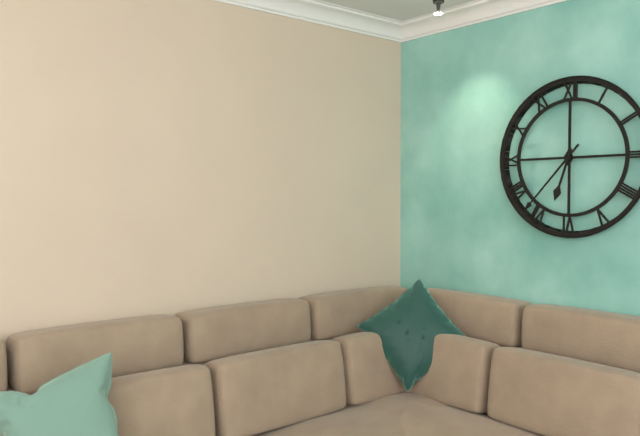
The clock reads h=6 m=37
